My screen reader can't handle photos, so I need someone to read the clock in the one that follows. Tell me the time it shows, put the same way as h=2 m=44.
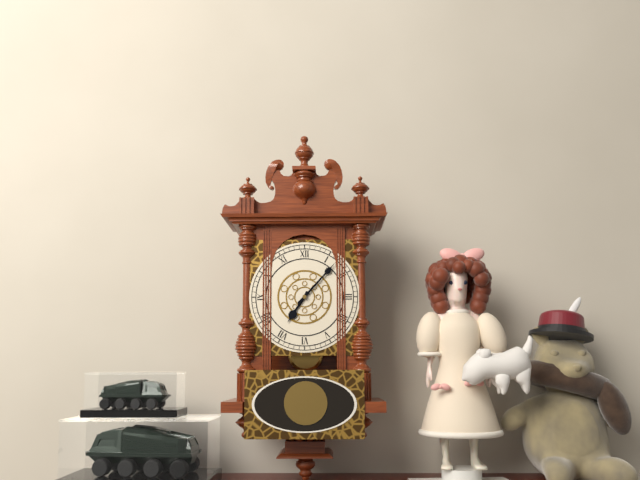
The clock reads h=7 m=7
